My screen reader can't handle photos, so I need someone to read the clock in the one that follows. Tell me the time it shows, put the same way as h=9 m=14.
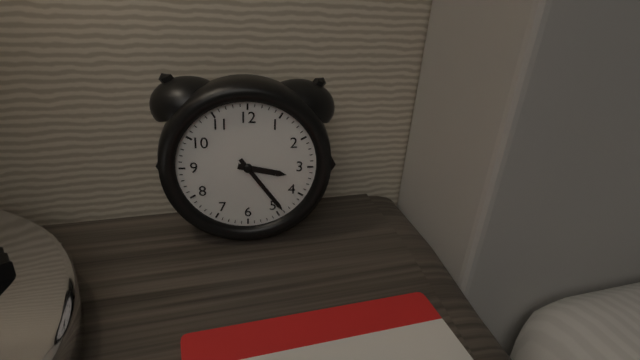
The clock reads h=3 m=24
